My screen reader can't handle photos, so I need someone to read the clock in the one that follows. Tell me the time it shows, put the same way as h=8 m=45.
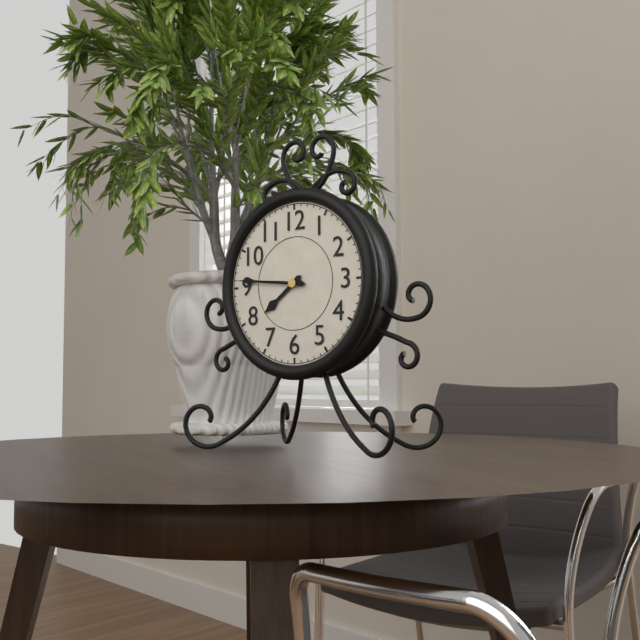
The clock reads h=7 m=46
